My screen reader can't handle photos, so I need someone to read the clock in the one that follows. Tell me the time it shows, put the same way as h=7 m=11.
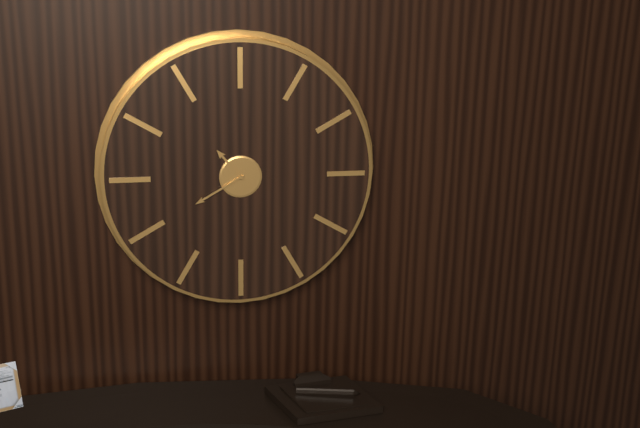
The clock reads h=10 m=40
